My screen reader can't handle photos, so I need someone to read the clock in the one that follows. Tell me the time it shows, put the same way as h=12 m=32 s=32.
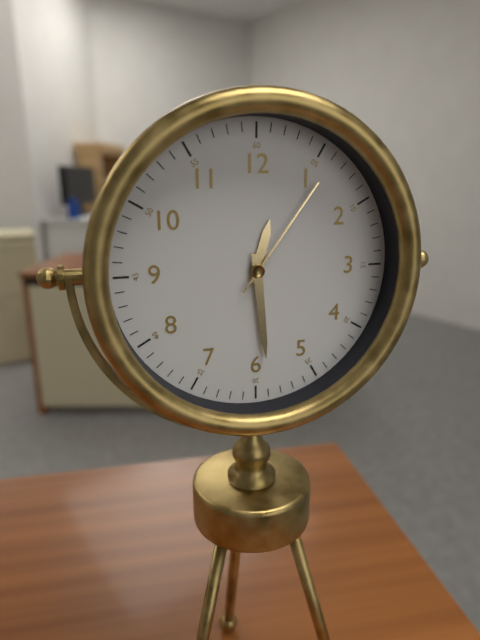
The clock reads h=12 m=29 s=6
